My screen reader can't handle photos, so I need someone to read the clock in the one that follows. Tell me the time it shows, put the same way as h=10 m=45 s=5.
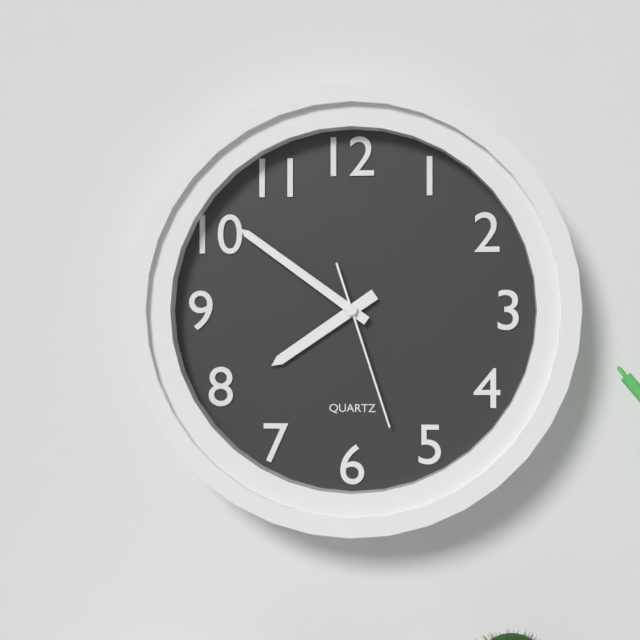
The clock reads h=7 m=51 s=27
